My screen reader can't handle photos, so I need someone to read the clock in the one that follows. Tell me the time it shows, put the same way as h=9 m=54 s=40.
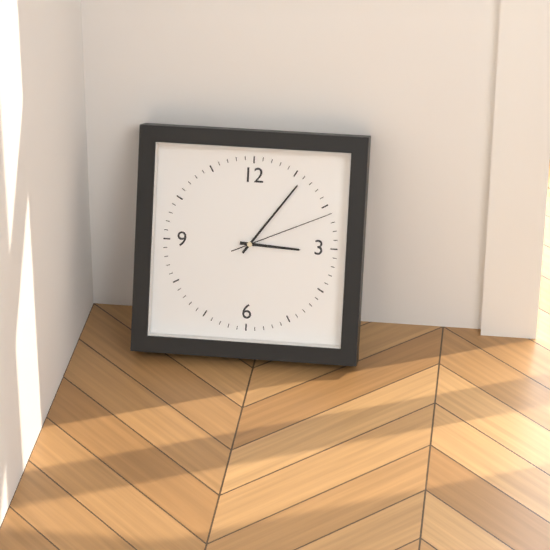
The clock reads h=3 m=6 s=11
